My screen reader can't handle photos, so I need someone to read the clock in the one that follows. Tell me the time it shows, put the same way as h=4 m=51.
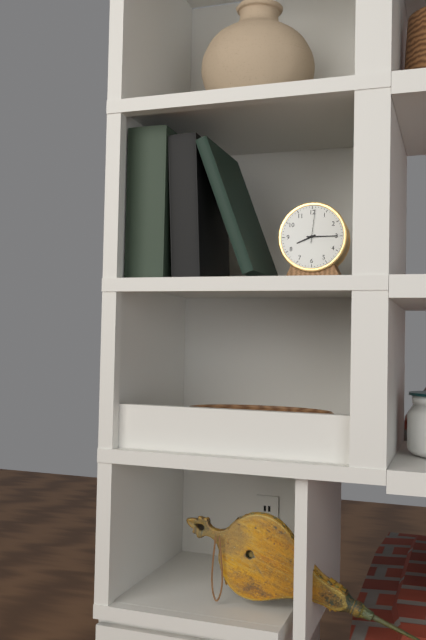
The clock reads h=8 m=15
